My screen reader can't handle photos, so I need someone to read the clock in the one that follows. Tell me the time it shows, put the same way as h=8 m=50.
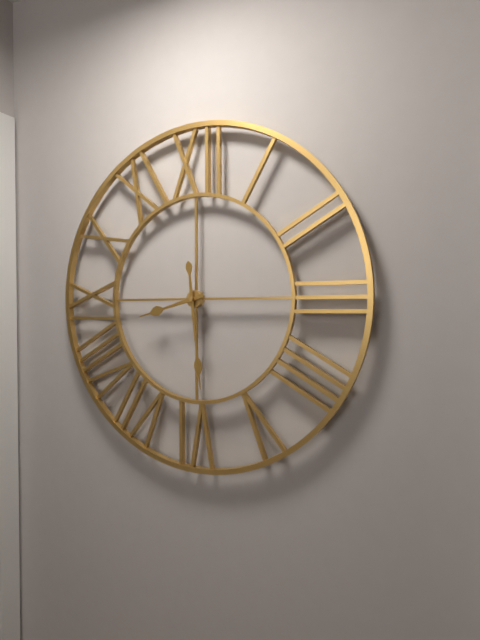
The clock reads h=8 m=29
